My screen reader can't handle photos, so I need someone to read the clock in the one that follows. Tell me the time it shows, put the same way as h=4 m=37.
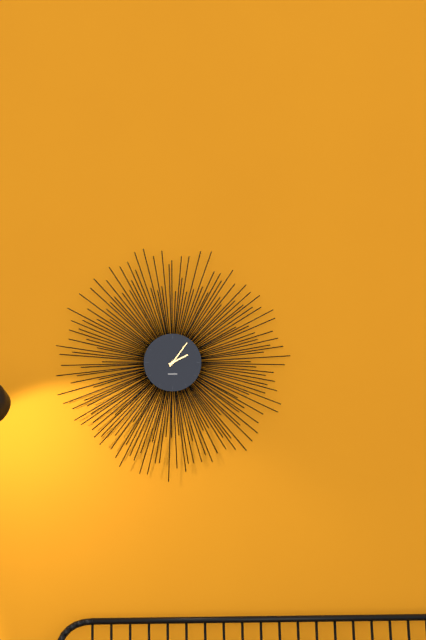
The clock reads h=2 m=6
